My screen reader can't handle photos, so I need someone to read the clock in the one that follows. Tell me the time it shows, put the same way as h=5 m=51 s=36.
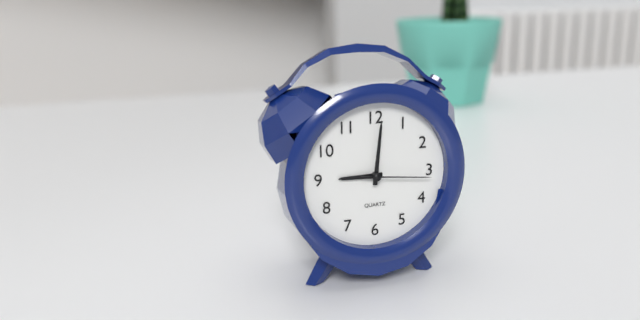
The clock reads h=9 m=1 s=16
